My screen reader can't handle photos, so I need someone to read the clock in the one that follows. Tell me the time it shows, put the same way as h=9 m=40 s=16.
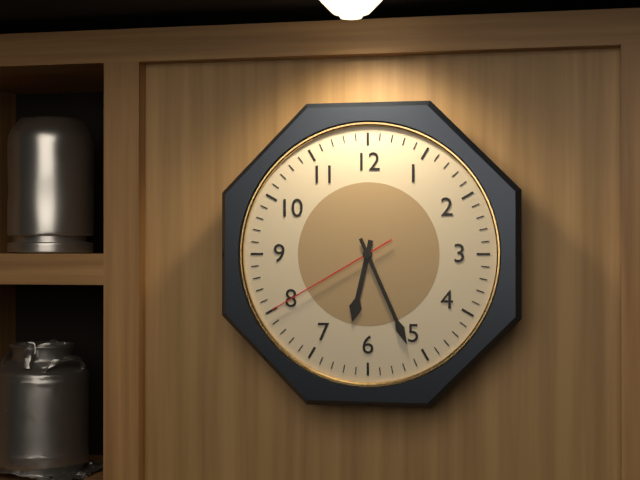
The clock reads h=6 m=26 s=40
